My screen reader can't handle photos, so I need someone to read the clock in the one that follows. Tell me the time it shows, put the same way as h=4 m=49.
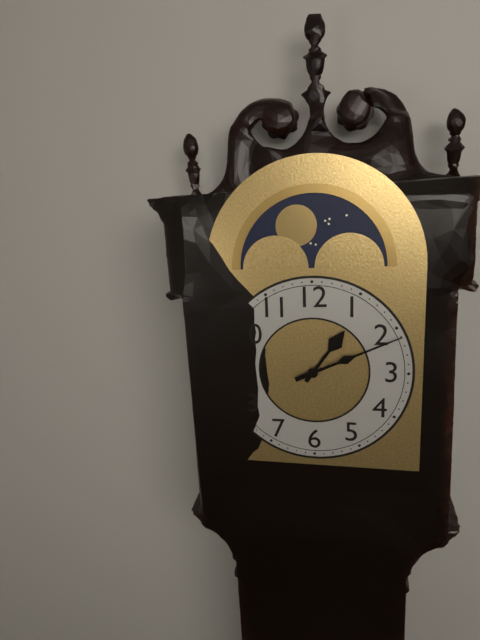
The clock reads h=1 m=11
